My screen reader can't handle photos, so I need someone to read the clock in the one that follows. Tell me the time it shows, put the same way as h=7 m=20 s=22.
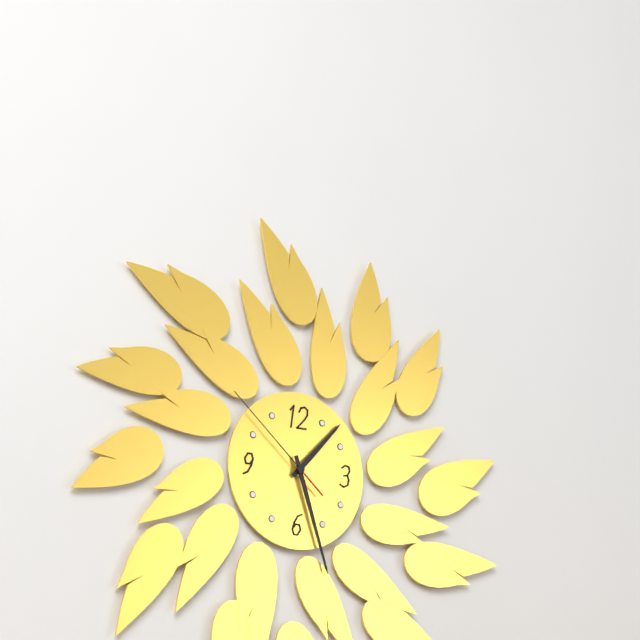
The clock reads h=1 m=27 s=52
